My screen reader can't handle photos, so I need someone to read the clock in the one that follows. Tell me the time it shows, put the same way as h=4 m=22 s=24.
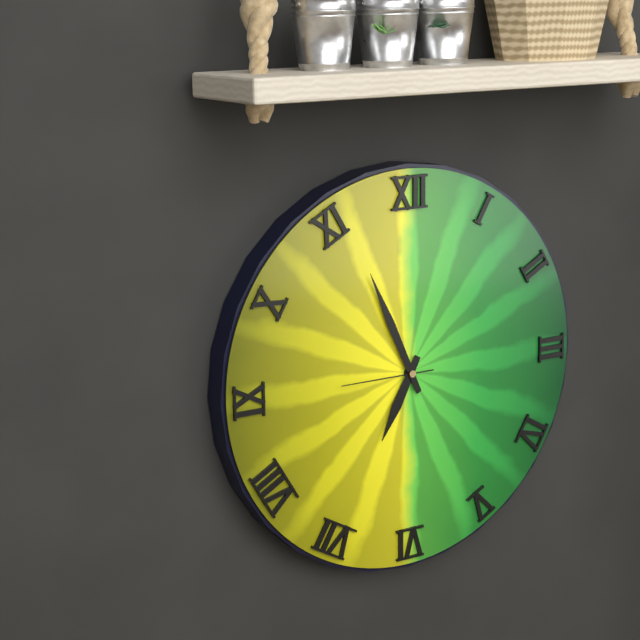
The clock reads h=6 m=56 s=45
